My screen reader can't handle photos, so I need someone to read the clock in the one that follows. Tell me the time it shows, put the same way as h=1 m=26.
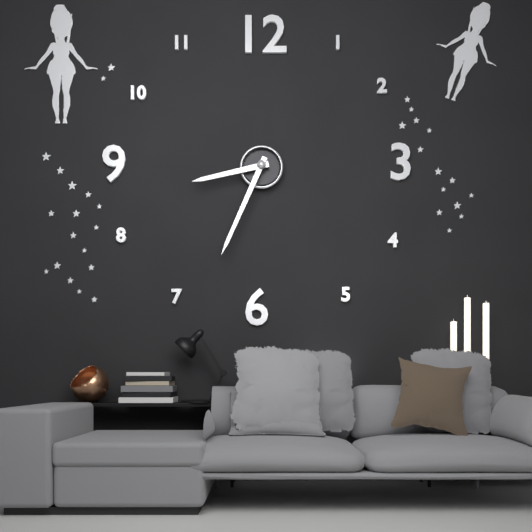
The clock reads h=8 m=34
